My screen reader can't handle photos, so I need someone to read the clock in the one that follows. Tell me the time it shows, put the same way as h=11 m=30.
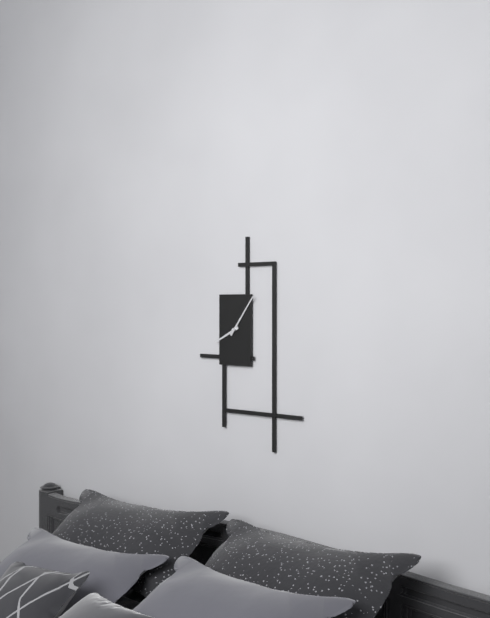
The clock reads h=8 m=6
